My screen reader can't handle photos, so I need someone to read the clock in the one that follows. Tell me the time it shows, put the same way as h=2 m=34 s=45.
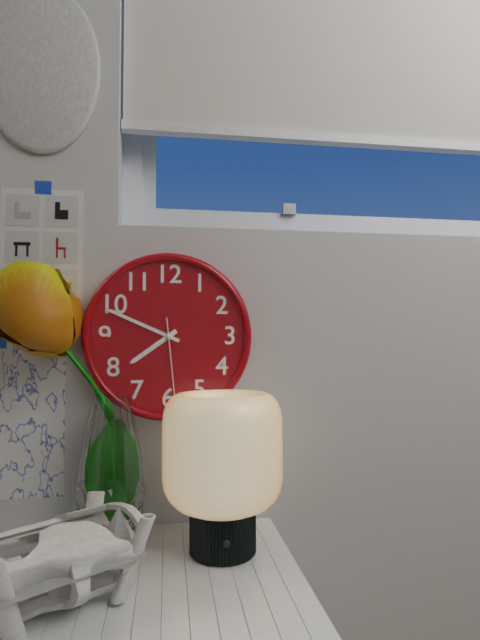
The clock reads h=7 m=49 s=29
